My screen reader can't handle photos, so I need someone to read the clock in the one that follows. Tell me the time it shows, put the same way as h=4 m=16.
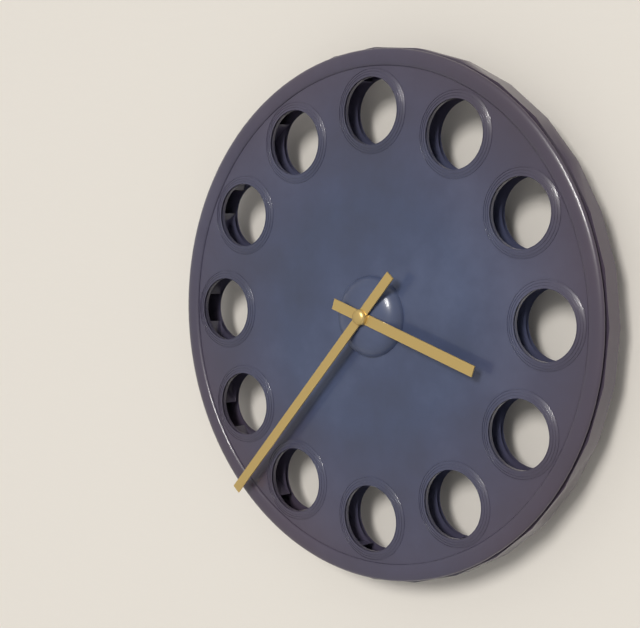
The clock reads h=3 m=37
